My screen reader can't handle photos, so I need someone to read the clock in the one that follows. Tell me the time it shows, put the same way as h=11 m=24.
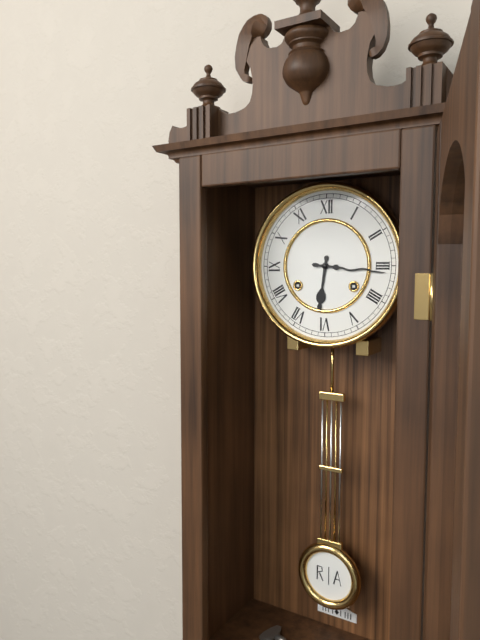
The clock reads h=6 m=16
